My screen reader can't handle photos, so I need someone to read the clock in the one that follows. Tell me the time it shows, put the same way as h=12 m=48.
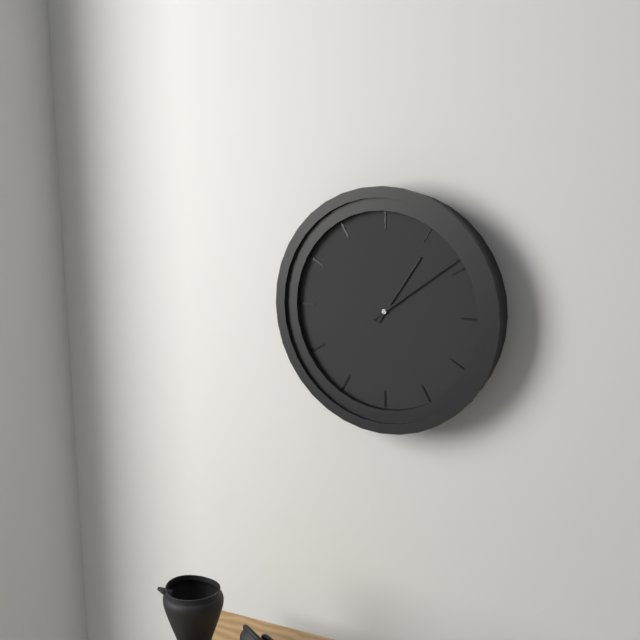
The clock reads h=1 m=9
